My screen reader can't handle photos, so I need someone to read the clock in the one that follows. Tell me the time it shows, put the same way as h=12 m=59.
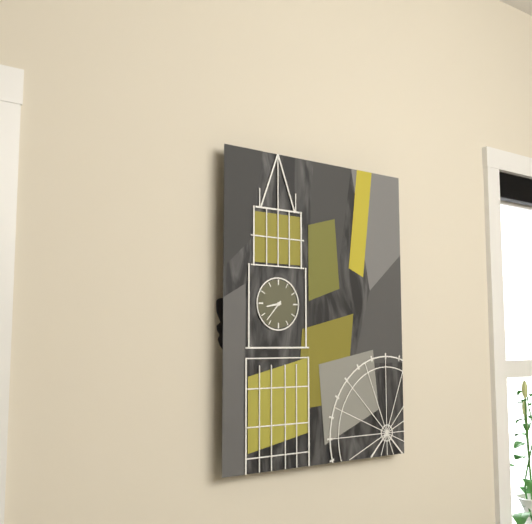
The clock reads h=8 m=37
